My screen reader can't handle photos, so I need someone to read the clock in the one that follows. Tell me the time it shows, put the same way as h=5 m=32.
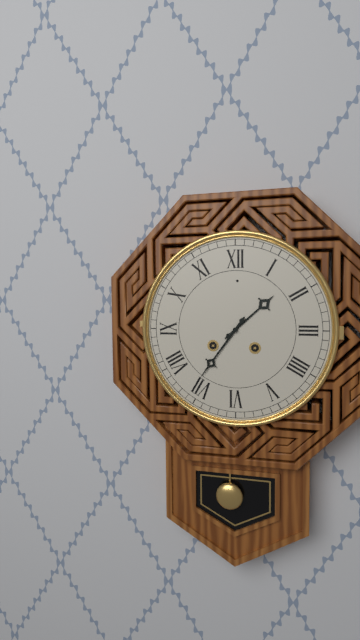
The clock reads h=1 m=36
